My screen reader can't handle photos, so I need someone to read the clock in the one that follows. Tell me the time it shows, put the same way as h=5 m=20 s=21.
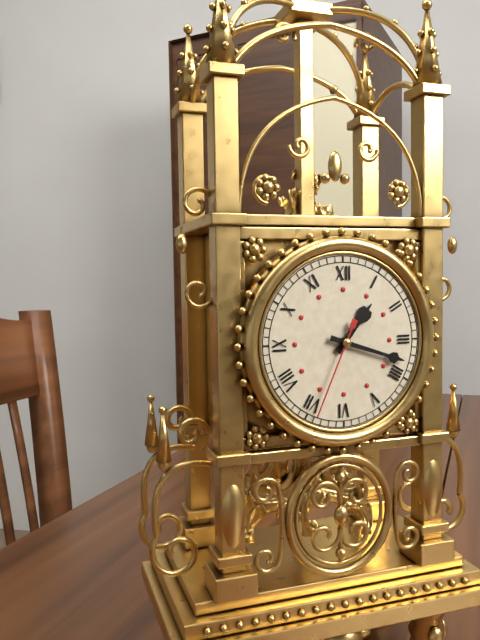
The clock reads h=1 m=18 s=34
